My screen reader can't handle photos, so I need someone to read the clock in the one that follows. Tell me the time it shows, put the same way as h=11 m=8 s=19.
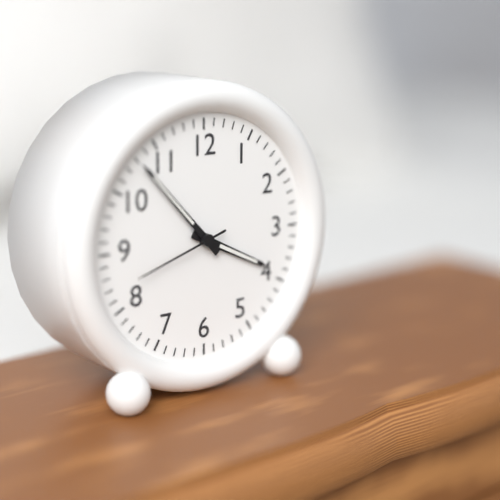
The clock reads h=3 m=53 s=42
